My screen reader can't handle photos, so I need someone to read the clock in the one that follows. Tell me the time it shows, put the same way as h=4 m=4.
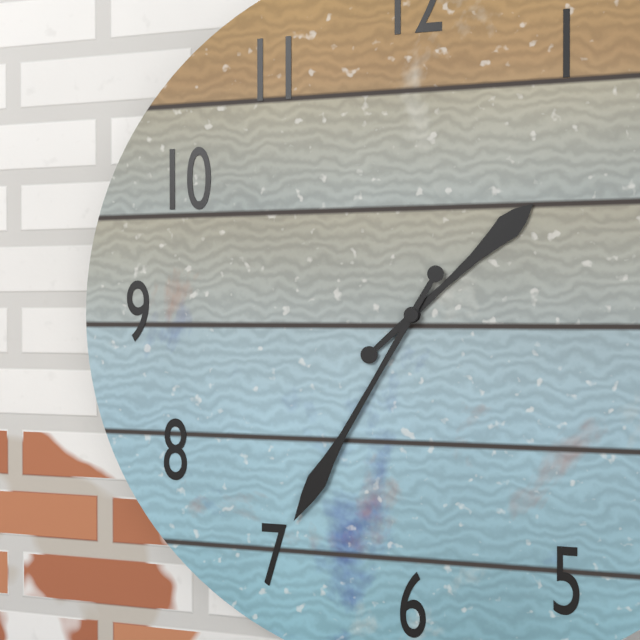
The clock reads h=1 m=35
